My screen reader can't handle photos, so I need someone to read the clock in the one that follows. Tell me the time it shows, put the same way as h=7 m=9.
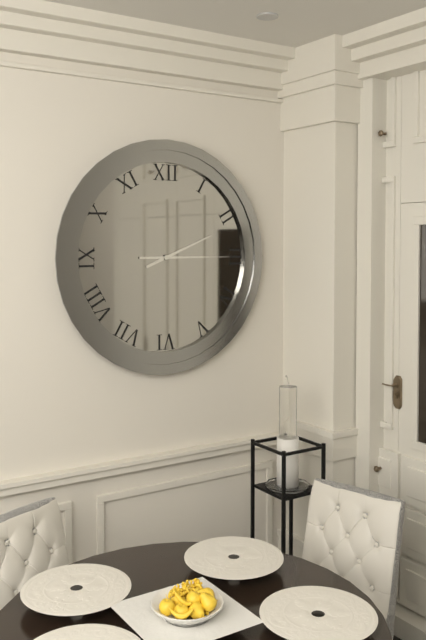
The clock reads h=2 m=15
